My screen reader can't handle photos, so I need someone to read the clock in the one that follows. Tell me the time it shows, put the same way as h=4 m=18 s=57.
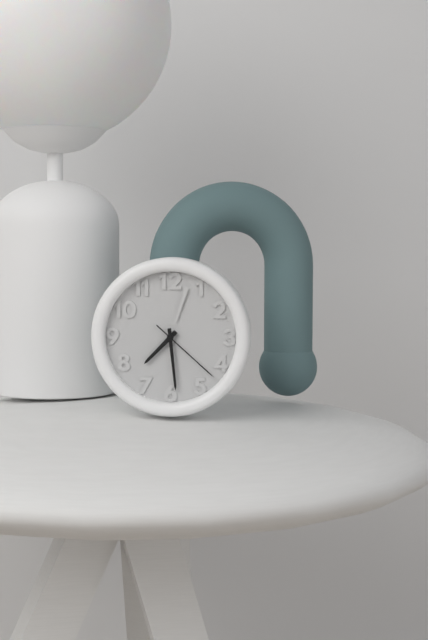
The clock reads h=7 m=29 s=22
